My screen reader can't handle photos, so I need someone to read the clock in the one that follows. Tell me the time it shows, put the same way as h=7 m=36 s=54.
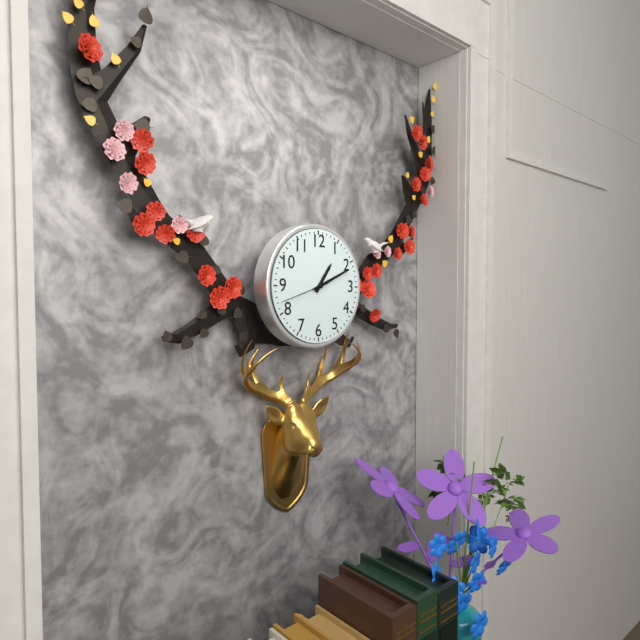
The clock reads h=1 m=11 s=42
